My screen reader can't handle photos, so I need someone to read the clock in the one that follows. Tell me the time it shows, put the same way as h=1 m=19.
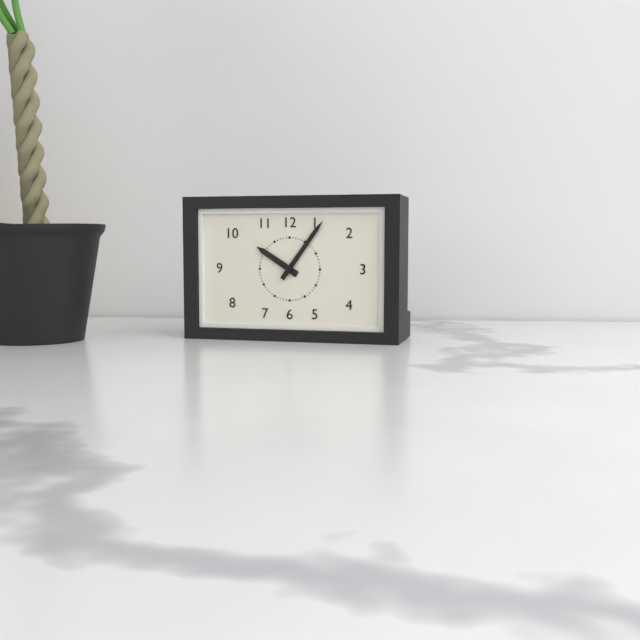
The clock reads h=10 m=6
